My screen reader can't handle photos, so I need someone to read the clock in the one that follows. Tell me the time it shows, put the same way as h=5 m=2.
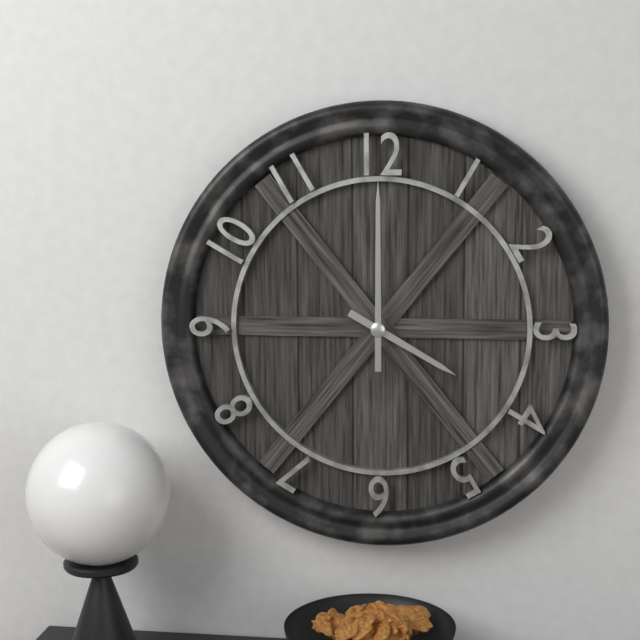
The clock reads h=4 m=0
